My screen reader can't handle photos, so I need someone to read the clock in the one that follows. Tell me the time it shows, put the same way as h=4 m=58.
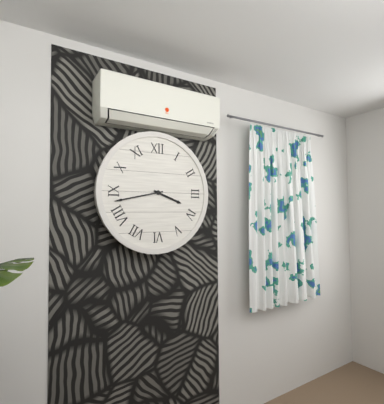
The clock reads h=3 m=43
